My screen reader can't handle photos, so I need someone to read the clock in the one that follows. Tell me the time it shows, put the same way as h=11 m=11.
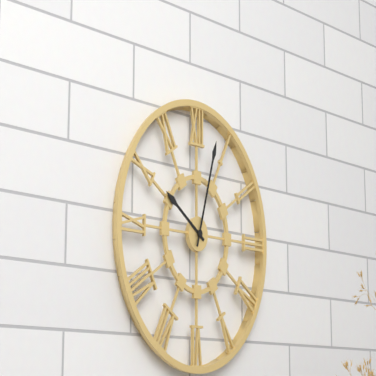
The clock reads h=10 m=3
